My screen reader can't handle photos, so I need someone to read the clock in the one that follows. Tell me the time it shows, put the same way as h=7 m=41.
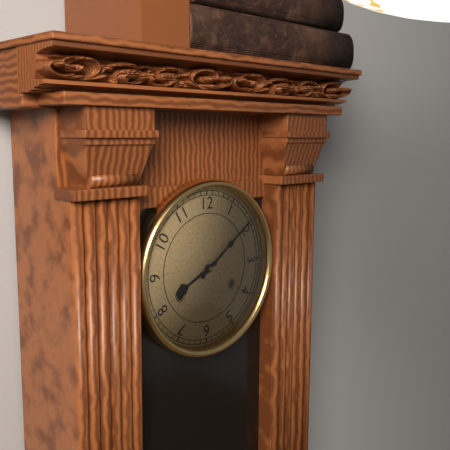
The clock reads h=8 m=9
